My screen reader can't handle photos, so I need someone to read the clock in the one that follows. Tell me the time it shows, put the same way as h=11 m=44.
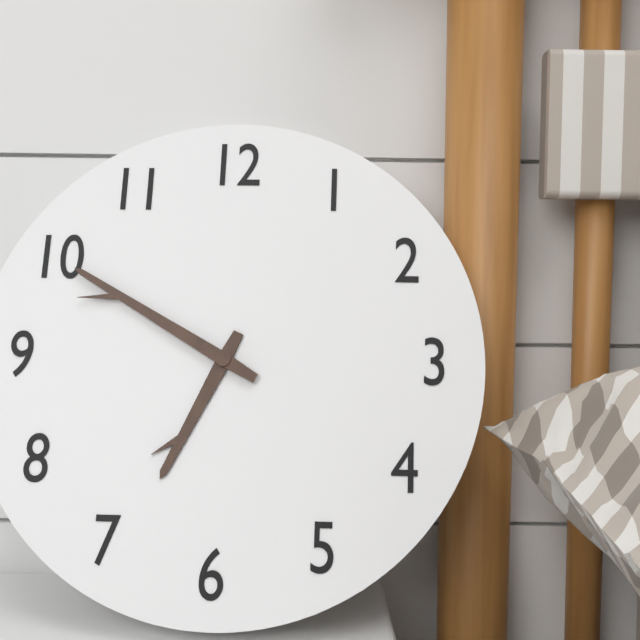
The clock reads h=6 m=50
